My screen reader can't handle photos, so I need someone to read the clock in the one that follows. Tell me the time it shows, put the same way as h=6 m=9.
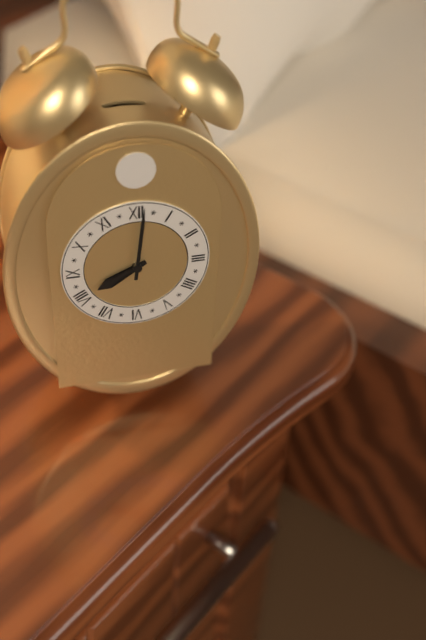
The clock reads h=8 m=1
